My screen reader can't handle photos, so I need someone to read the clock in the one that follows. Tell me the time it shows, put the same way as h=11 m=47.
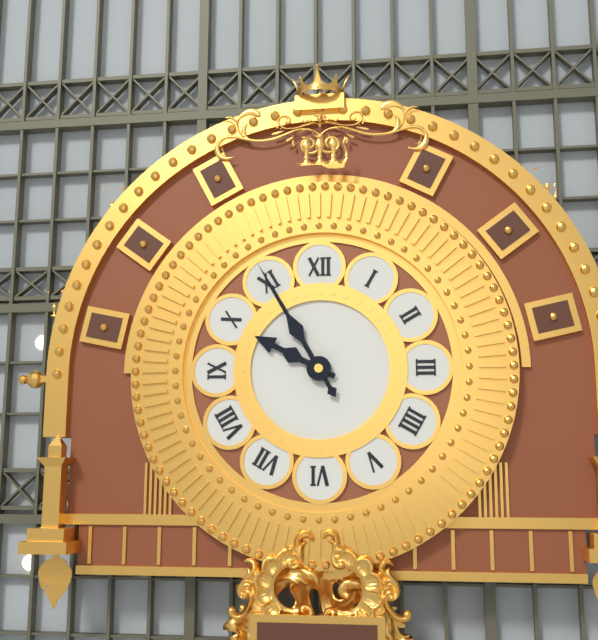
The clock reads h=9 m=55
